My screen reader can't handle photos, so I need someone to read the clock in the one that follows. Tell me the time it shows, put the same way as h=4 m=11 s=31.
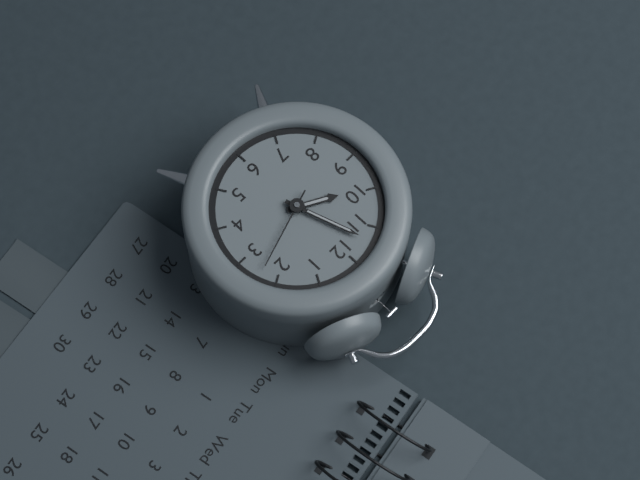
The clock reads h=9 m=57 s=12
